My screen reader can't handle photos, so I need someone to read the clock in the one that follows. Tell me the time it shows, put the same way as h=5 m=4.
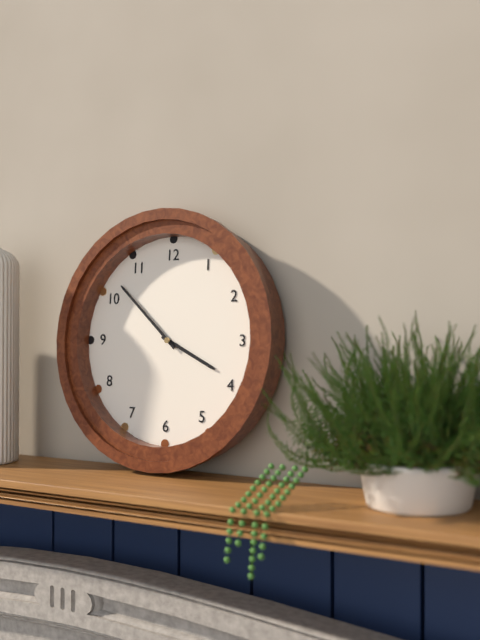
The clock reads h=3 m=52
